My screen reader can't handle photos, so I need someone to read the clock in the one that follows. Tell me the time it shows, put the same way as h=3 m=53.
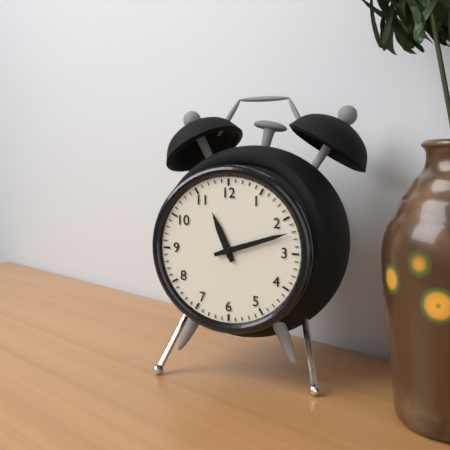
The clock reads h=11 m=12
